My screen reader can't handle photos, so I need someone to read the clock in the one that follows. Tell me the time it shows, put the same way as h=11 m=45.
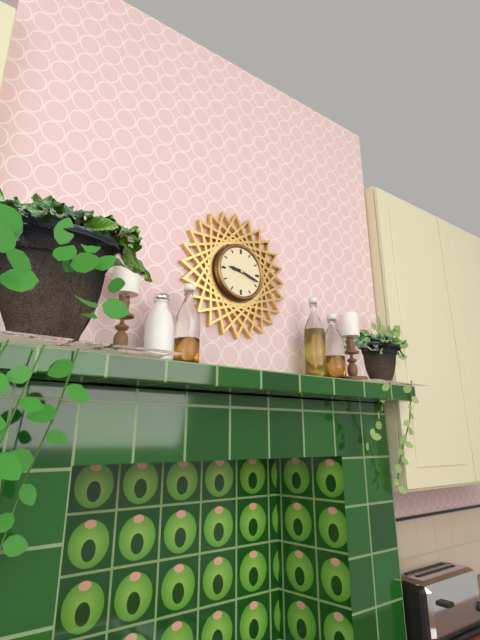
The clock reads h=9 m=18
